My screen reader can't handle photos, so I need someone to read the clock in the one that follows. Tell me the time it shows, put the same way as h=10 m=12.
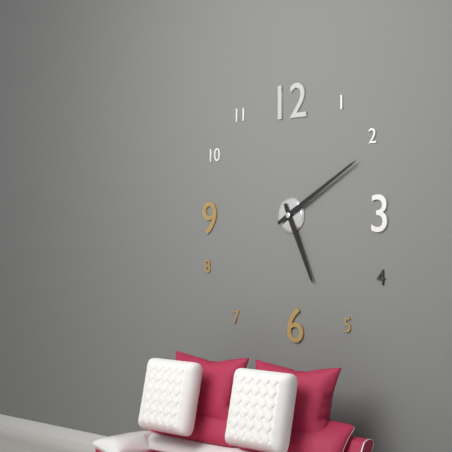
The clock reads h=5 m=10
